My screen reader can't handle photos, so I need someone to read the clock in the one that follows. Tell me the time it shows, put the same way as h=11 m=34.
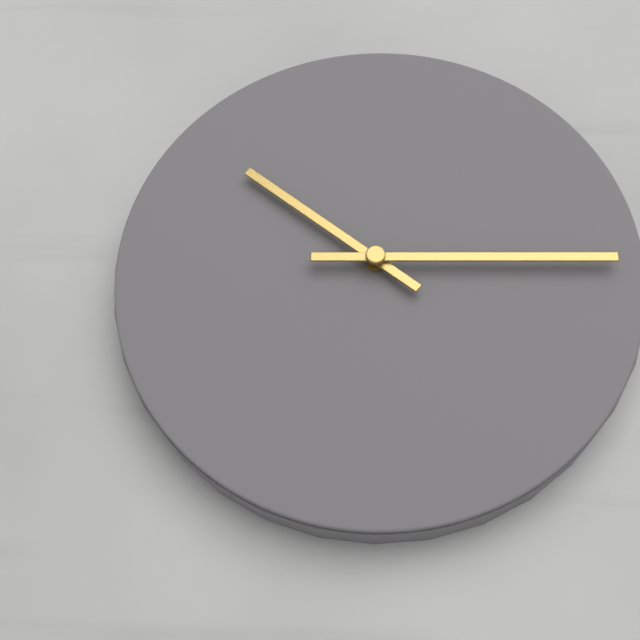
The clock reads h=10 m=15
